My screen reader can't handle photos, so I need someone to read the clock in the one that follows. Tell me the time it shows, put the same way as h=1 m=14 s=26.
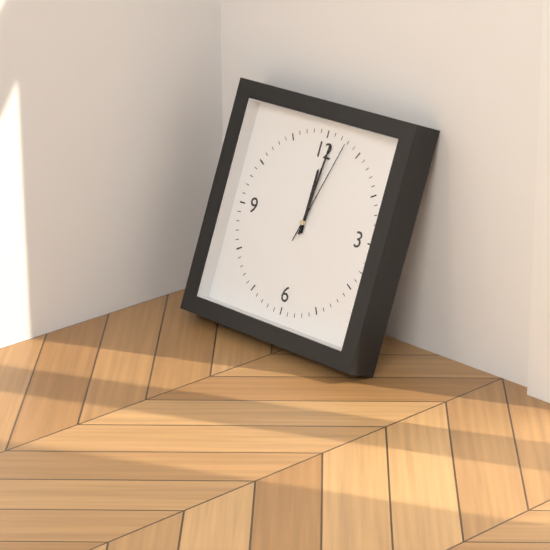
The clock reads h=12 m=1 s=3
